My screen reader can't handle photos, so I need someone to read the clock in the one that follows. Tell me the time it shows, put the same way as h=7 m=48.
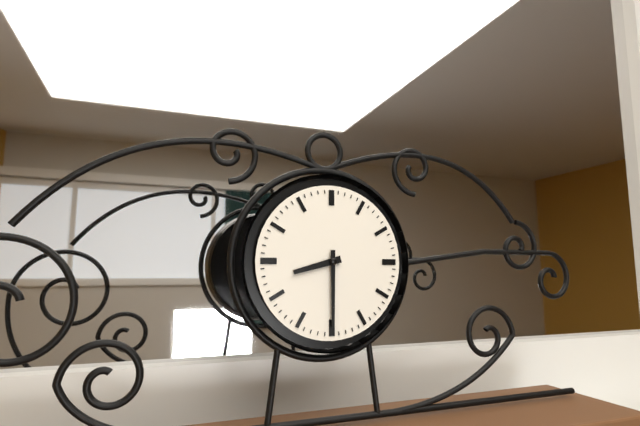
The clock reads h=8 m=30
